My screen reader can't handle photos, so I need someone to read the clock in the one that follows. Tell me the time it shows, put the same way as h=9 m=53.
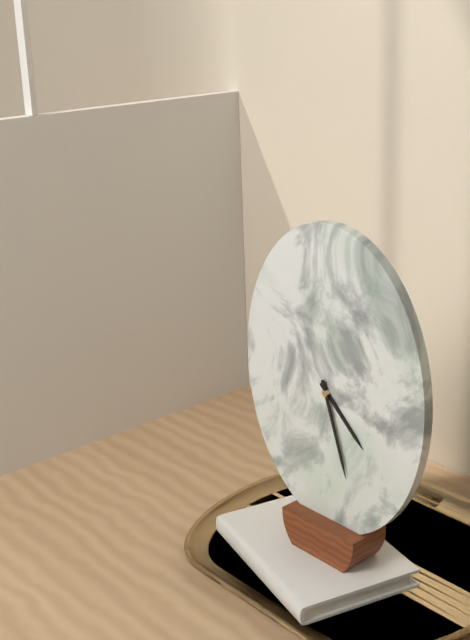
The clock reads h=4 m=27
